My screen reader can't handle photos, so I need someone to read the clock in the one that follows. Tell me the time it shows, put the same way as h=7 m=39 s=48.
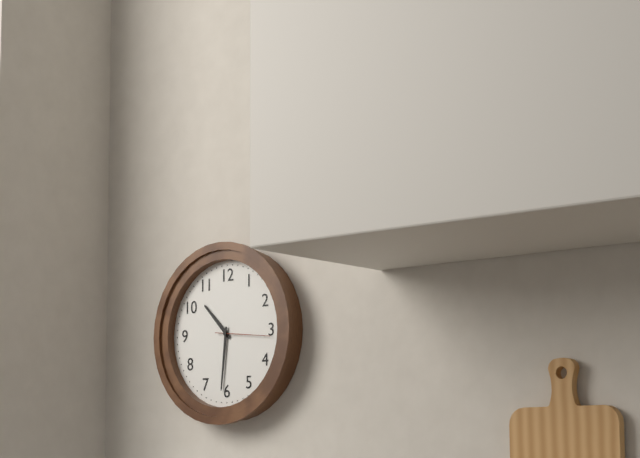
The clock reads h=10 m=31 s=16
